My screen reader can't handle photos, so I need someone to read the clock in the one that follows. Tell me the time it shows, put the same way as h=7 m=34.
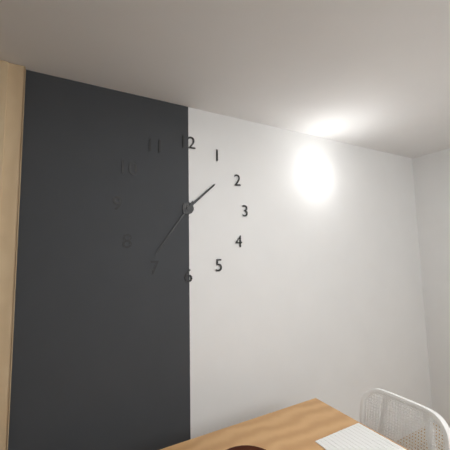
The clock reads h=1 m=36
